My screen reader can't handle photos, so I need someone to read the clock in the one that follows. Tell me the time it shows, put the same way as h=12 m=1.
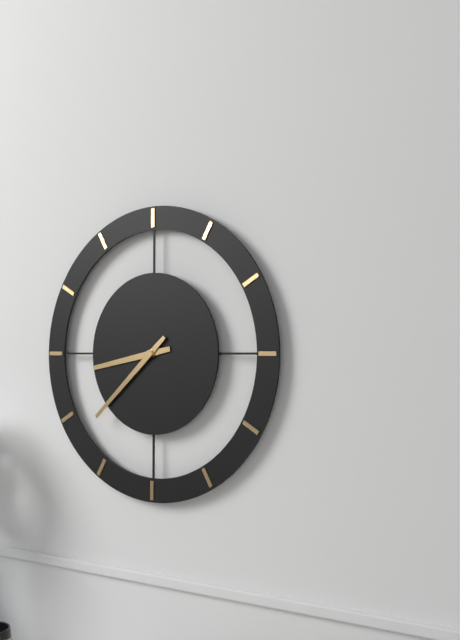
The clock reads h=8 m=38
